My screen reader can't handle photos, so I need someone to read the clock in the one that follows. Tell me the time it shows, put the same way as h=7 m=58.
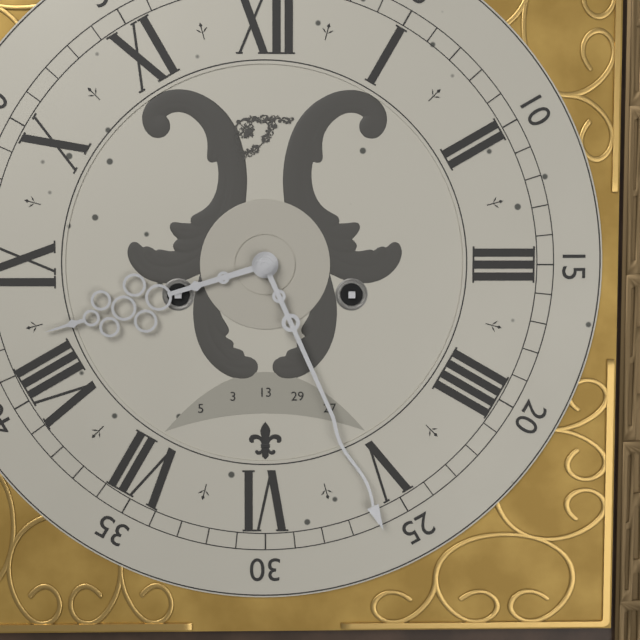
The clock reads h=8 m=26
